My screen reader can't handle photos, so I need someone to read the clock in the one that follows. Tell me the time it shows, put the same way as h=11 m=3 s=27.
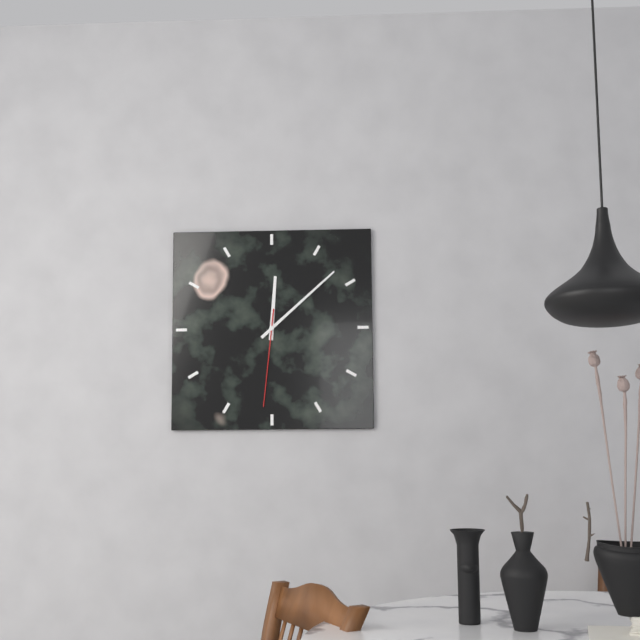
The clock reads h=12 m=8 s=31
